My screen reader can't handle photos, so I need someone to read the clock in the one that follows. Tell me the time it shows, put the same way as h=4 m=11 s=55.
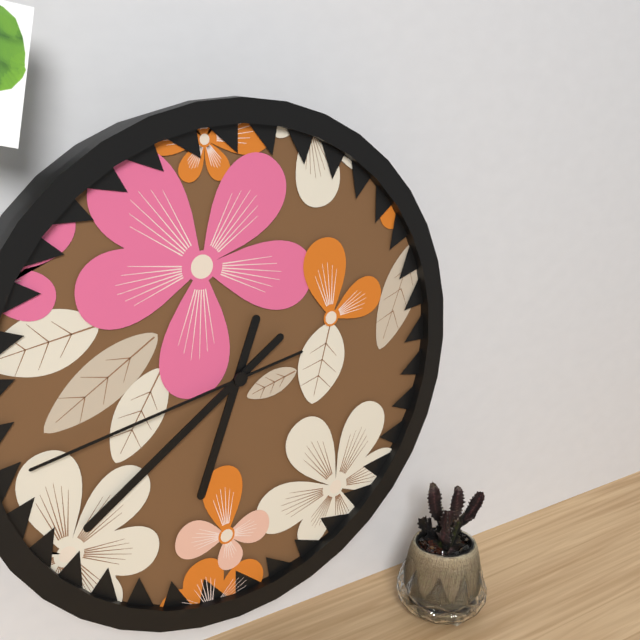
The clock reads h=6 m=39 s=43
